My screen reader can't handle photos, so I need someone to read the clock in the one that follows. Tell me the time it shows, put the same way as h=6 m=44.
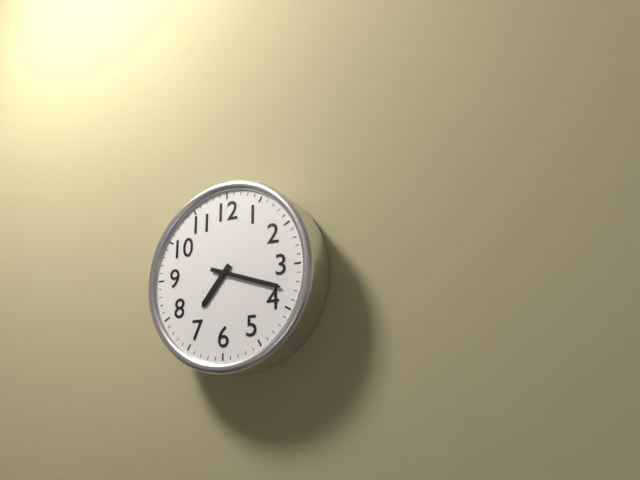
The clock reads h=7 m=18
